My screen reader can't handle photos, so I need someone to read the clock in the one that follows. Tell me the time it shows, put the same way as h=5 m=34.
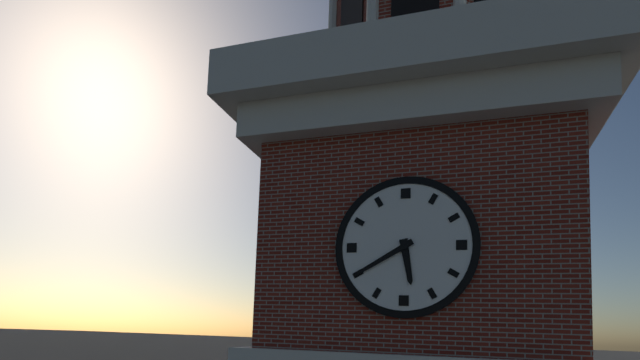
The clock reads h=5 m=40
